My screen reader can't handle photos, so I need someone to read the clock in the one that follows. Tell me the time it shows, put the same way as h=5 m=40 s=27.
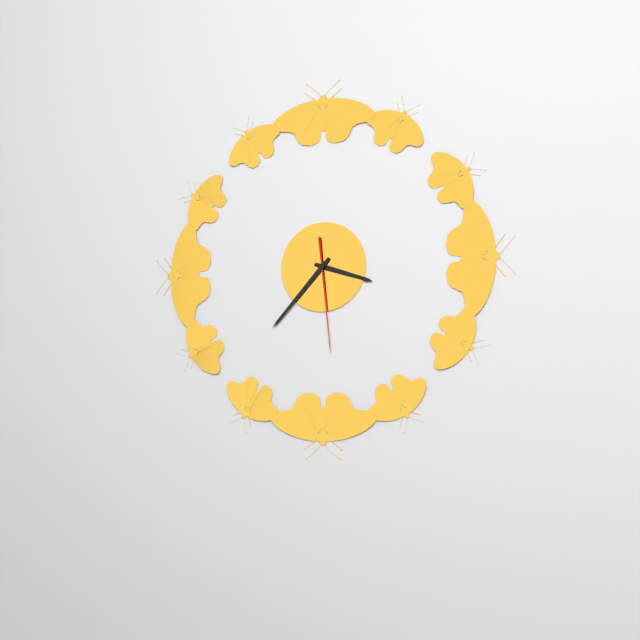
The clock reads h=3 m=37 s=29
